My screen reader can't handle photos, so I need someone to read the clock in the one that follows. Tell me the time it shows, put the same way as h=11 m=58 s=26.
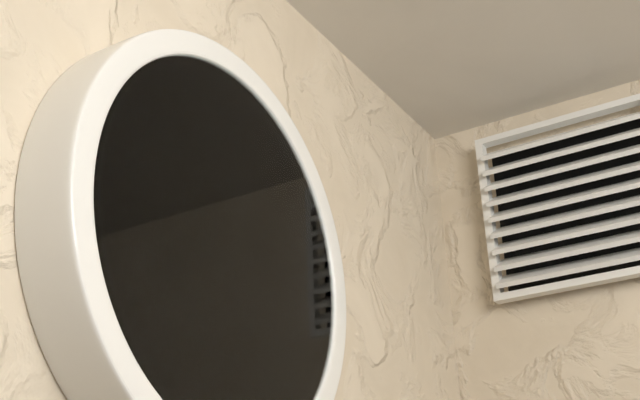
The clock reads h=5 m=24 s=58
